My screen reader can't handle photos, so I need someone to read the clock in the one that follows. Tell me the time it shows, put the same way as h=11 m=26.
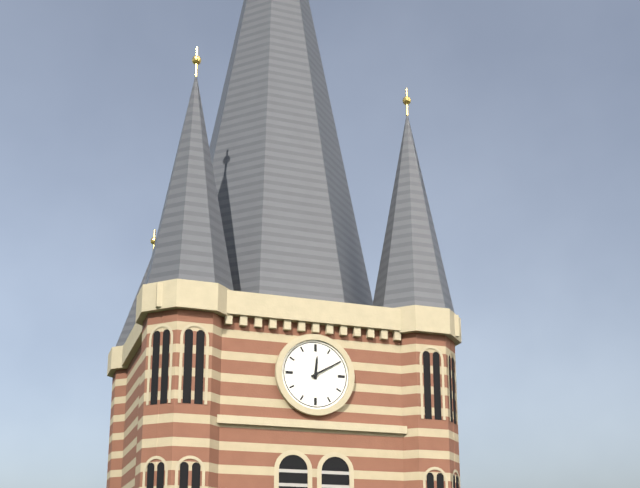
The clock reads h=12 m=10
